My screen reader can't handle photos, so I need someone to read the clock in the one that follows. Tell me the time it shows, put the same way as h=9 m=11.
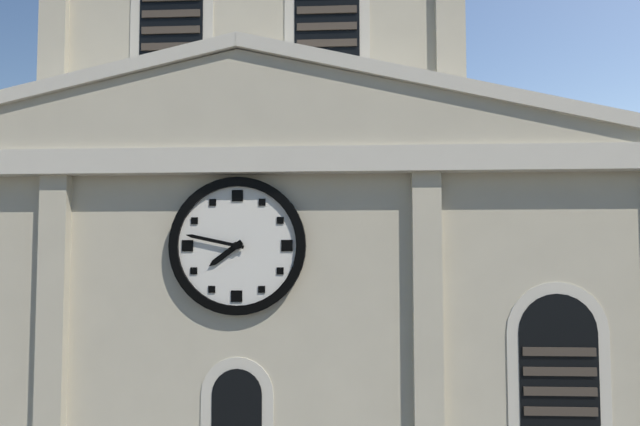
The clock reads h=7 m=47
